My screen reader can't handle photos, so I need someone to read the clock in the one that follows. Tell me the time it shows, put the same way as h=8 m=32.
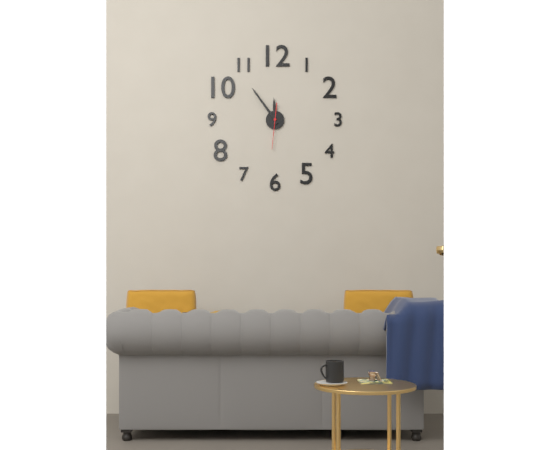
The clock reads h=11 m=54
